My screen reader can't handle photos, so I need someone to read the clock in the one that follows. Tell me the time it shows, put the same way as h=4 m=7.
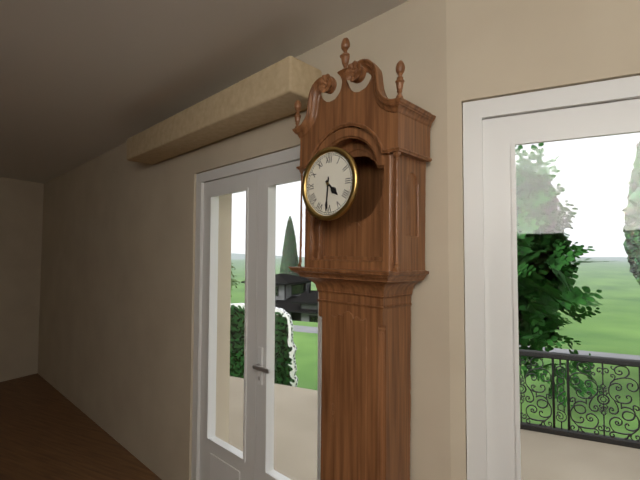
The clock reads h=4 m=31
